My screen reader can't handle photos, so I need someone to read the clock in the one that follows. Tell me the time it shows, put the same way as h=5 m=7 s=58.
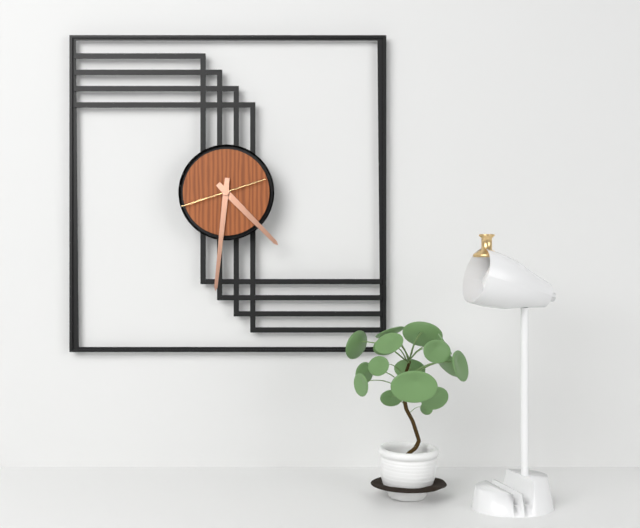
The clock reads h=4 m=31 s=42
